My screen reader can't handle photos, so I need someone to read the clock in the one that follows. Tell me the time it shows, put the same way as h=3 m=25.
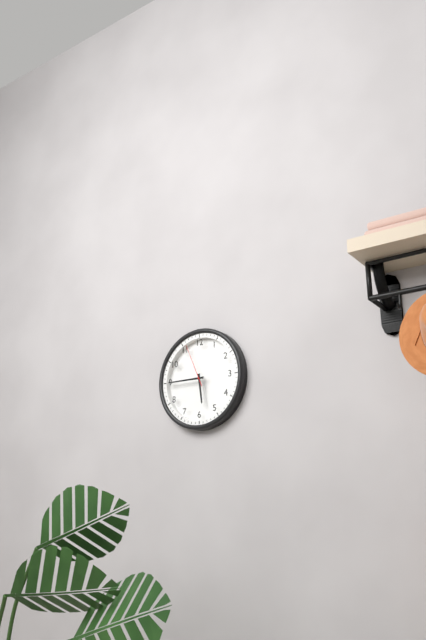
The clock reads h=5 m=45
